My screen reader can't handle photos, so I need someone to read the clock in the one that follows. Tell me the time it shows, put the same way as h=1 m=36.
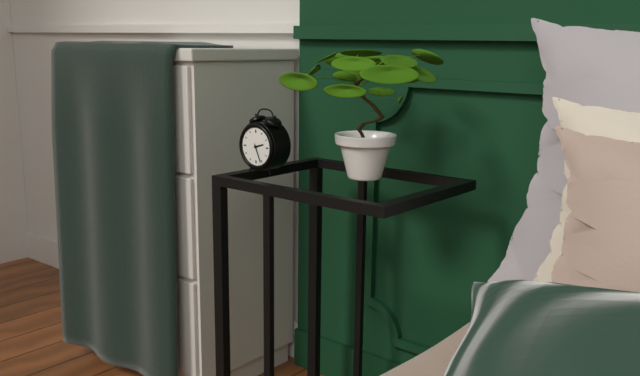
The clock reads h=2 m=26
